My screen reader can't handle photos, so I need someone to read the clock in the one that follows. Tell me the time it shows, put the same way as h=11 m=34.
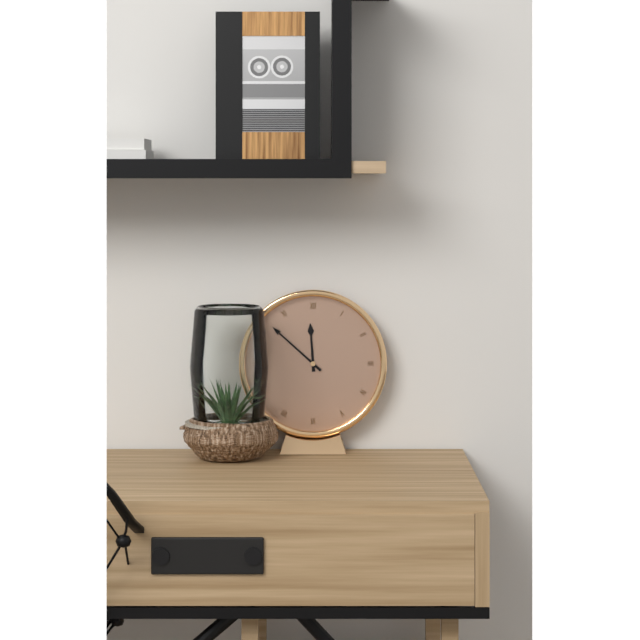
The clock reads h=11 m=52
